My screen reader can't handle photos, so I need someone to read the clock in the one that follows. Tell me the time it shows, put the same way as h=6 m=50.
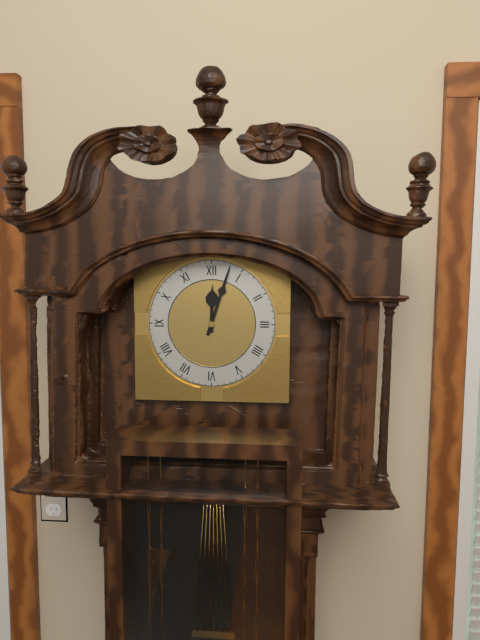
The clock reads h=12 m=3
